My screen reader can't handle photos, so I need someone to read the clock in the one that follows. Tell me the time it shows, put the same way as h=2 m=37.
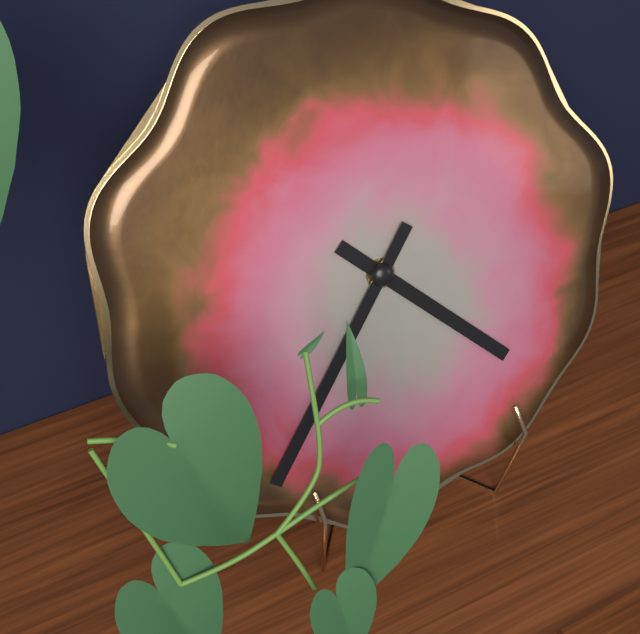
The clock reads h=4 m=37
